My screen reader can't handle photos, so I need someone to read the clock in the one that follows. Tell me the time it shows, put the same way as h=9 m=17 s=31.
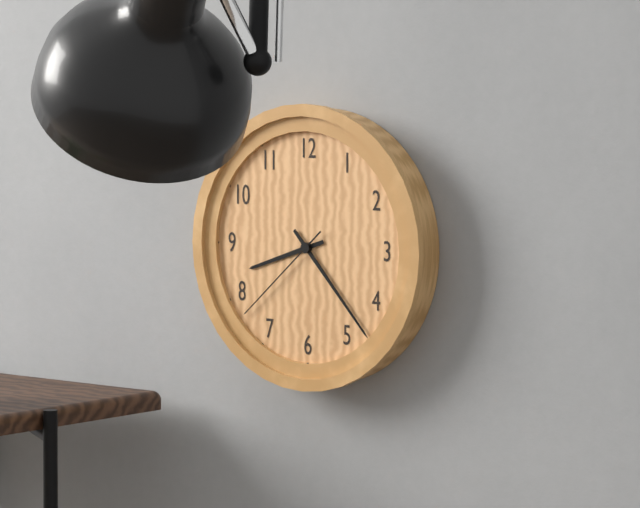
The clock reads h=8 m=23 s=38
